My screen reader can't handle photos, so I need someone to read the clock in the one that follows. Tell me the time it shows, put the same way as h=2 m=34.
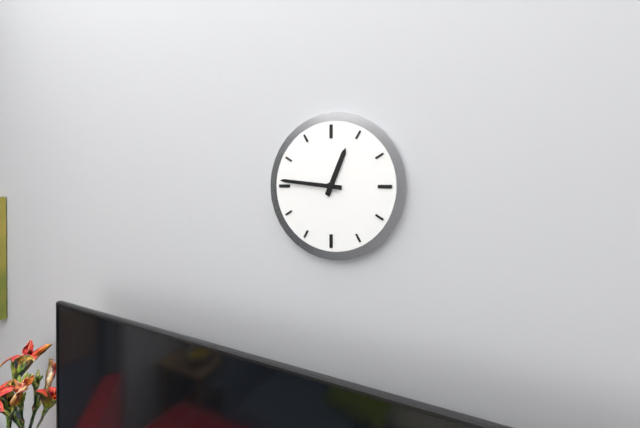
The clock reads h=12 m=46
